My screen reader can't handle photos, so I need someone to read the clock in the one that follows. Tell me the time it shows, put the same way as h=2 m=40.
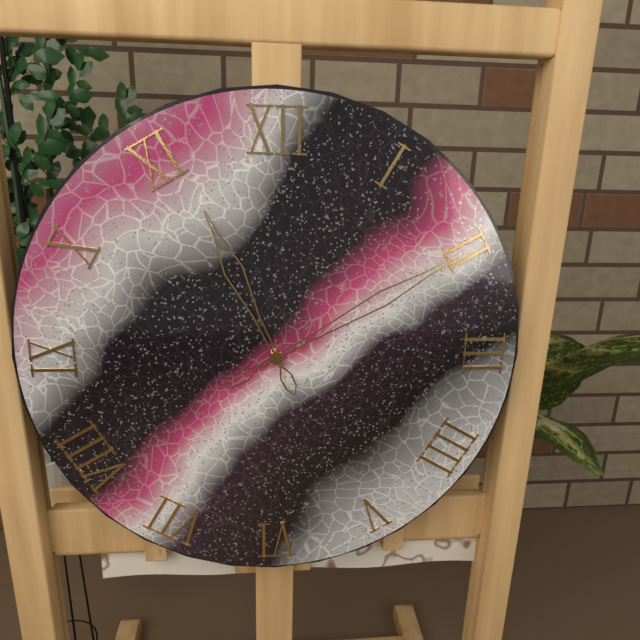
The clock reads h=11 m=10
